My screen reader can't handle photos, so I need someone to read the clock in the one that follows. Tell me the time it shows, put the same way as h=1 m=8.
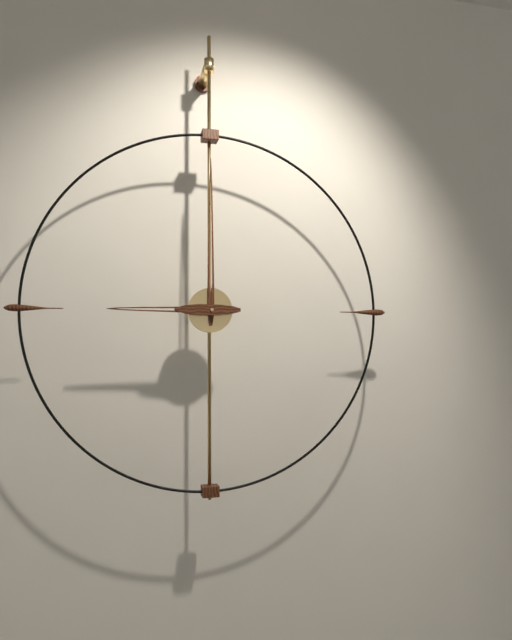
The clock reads h=9 m=0
